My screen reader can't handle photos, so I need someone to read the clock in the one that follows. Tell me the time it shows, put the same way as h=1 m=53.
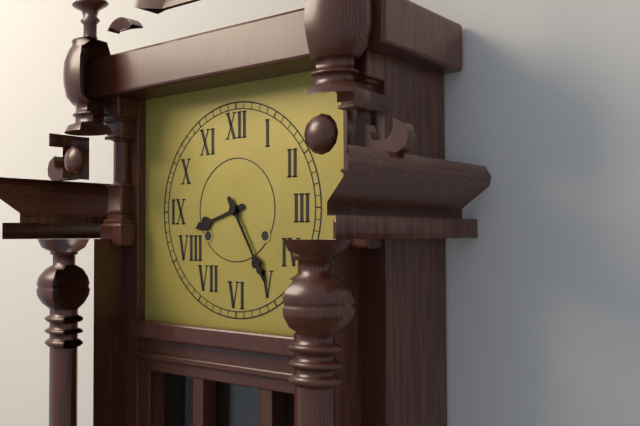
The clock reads h=8 m=25
